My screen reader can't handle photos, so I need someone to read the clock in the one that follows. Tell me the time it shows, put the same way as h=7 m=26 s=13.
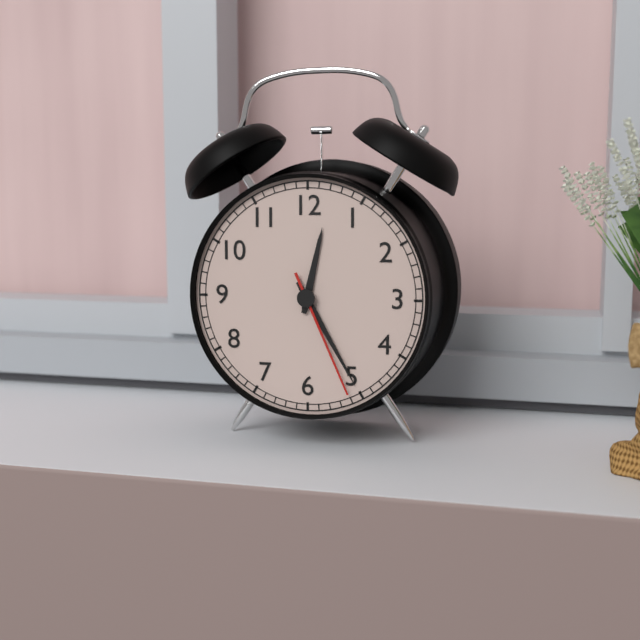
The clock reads h=12 m=25 s=26
